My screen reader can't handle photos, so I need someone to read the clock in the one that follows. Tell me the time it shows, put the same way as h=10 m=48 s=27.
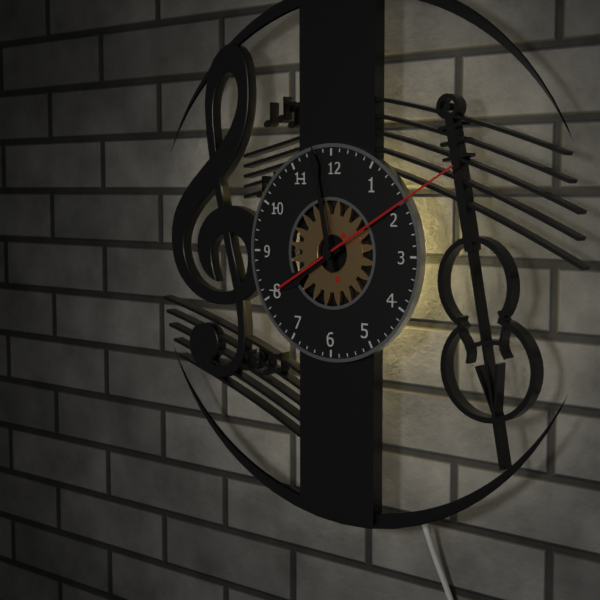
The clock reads h=7 m=58 s=10
